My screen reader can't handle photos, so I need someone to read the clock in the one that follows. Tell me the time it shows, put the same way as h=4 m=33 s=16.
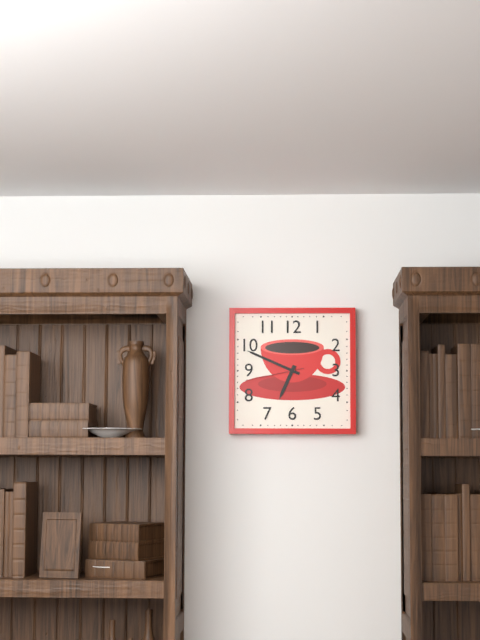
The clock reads h=6 m=49 s=43
